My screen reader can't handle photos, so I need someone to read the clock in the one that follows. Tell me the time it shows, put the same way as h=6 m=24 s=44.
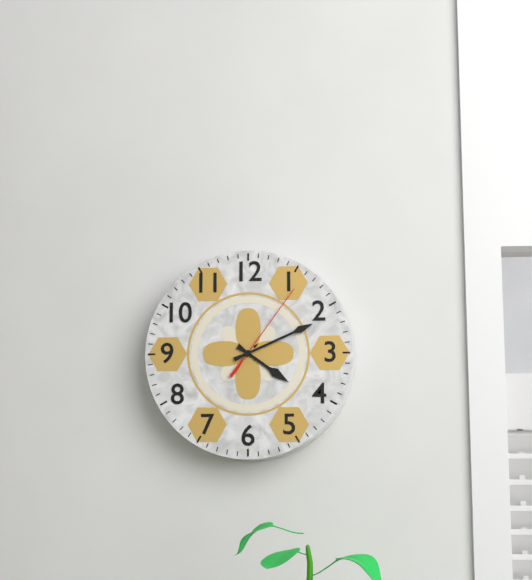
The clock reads h=4 m=11 s=6
